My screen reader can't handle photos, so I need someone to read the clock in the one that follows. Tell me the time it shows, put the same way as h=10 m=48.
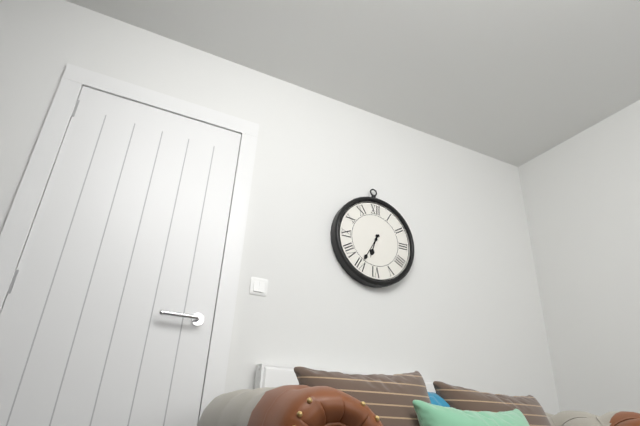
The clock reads h=6 m=35
